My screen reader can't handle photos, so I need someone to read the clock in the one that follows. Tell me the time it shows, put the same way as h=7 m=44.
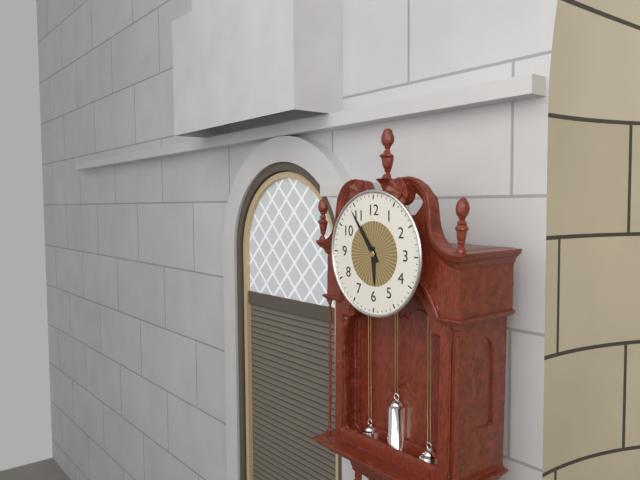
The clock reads h=5 m=54
